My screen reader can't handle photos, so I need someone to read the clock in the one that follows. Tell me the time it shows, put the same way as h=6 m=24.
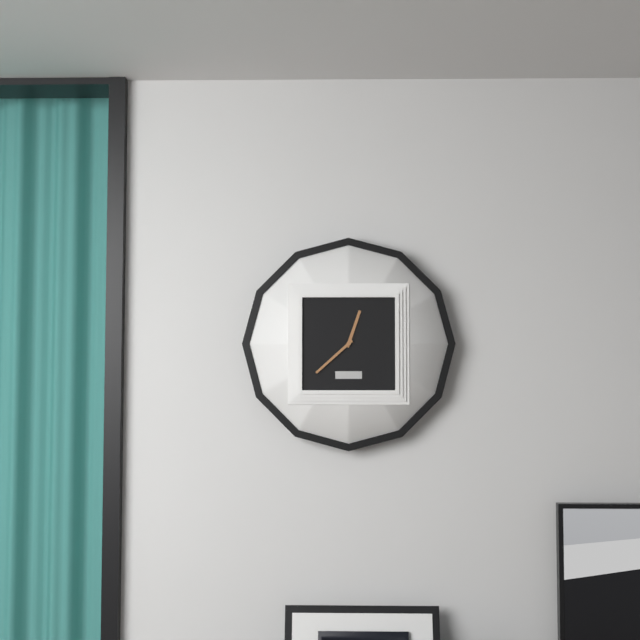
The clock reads h=12 m=38
